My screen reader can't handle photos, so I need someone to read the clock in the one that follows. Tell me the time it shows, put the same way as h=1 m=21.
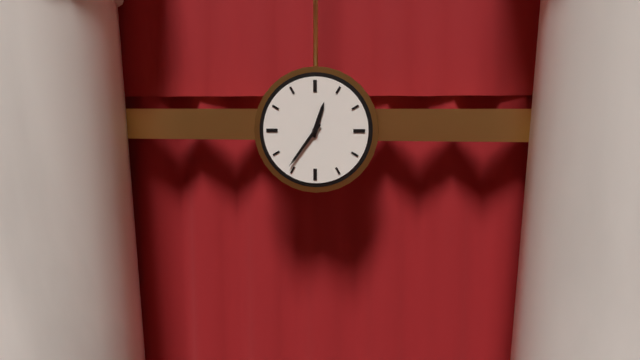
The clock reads h=12 m=36
